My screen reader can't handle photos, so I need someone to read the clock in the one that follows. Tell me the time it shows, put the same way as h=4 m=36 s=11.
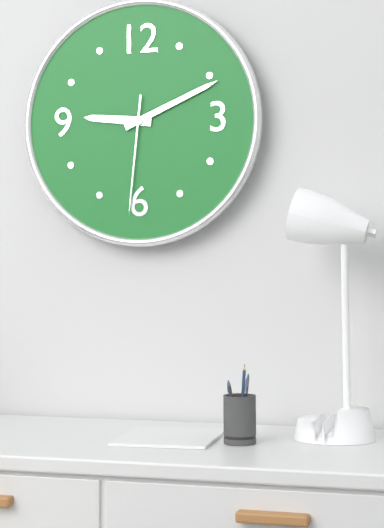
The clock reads h=9 m=11 s=31
